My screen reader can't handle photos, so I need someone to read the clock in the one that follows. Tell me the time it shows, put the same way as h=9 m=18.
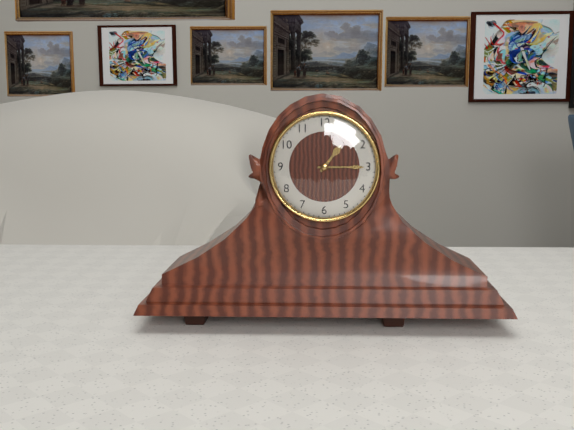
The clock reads h=1 m=15
